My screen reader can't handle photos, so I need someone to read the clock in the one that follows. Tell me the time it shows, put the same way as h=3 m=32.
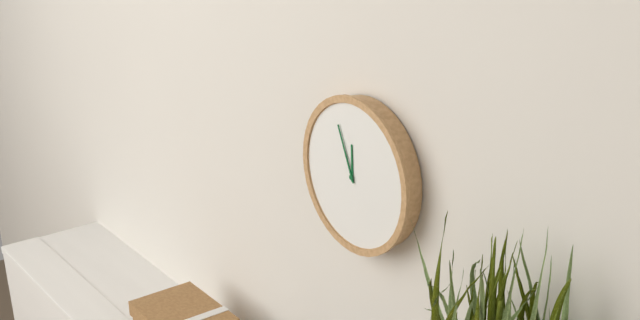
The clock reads h=11 m=56
